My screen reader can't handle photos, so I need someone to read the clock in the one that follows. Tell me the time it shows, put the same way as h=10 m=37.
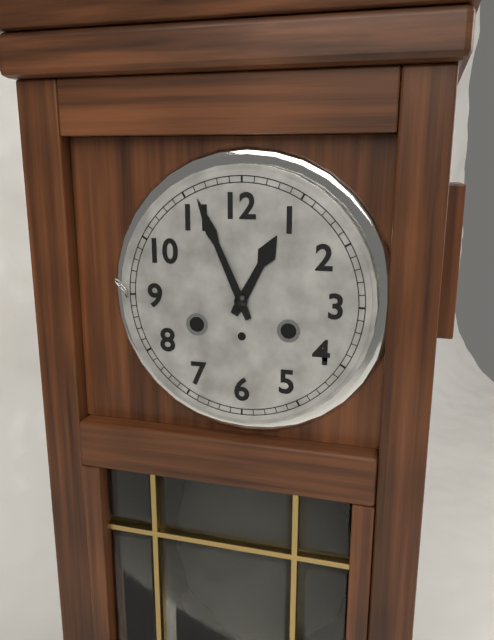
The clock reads h=12 m=56
